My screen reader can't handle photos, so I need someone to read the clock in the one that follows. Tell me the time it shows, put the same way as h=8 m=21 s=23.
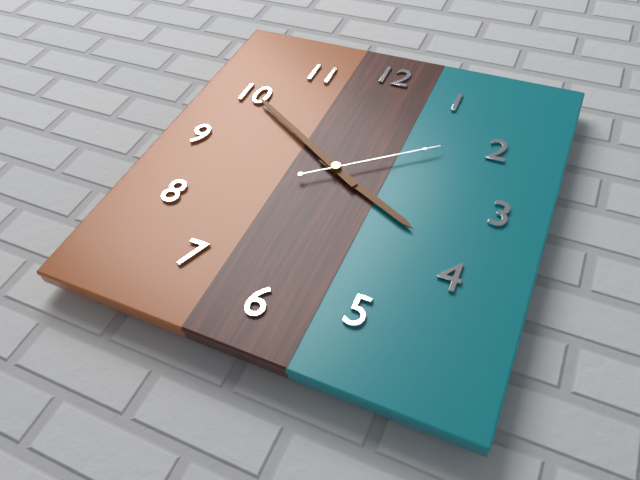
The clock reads h=3 m=50 s=9
